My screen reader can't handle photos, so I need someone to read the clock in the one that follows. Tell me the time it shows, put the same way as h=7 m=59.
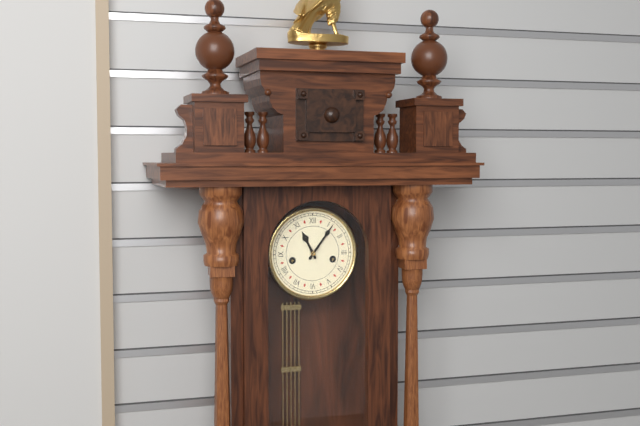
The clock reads h=11 m=6
